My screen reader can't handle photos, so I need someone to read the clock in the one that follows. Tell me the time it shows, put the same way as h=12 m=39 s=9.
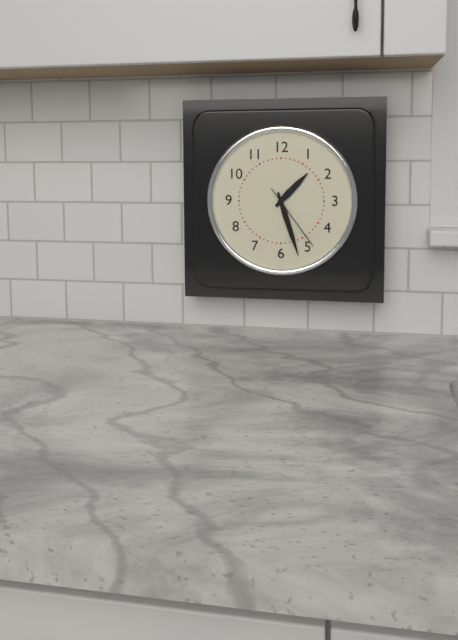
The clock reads h=1 m=27 s=24
